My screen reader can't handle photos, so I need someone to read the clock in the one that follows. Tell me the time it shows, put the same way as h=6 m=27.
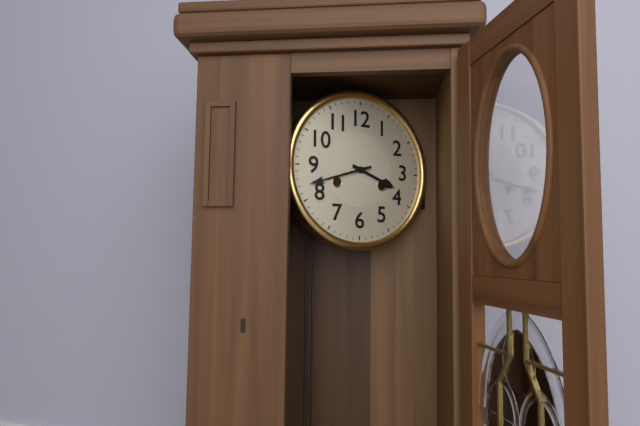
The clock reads h=3 m=42
